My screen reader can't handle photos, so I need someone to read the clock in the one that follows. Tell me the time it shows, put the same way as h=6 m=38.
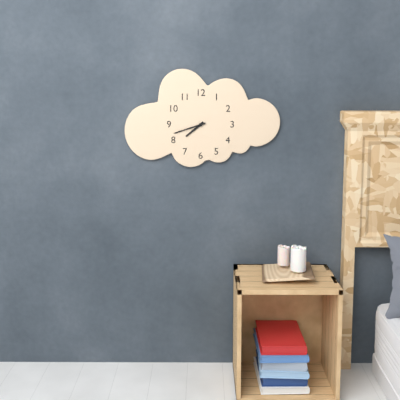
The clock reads h=7 m=42
